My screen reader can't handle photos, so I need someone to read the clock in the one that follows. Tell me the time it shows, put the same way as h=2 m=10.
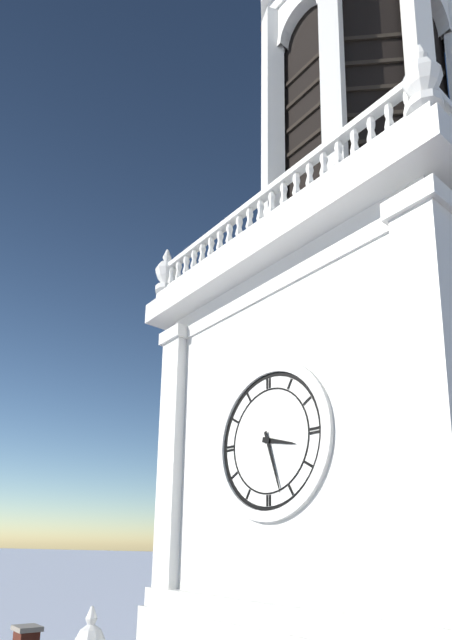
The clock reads h=3 m=27
